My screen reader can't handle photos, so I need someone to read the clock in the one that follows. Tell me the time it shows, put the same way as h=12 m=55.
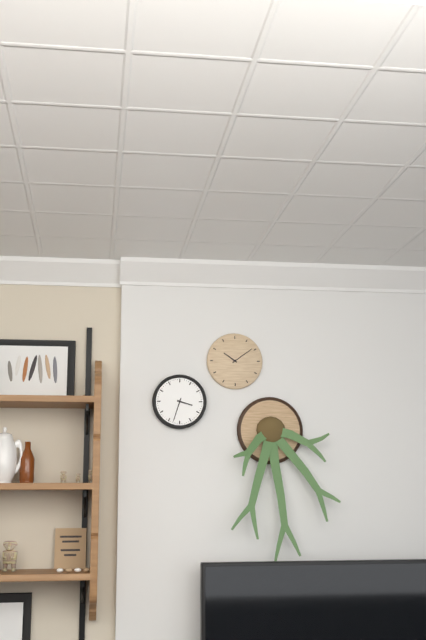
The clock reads h=3 m=33
